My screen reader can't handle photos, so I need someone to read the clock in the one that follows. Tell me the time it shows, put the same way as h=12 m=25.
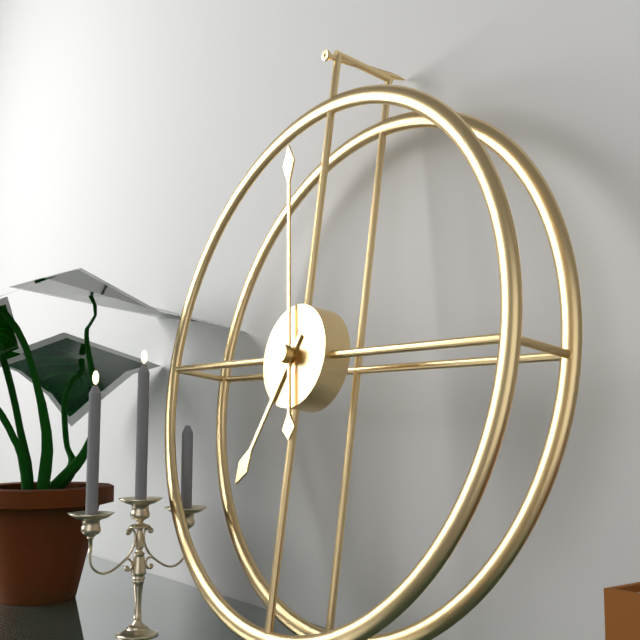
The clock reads h=6 m=58
